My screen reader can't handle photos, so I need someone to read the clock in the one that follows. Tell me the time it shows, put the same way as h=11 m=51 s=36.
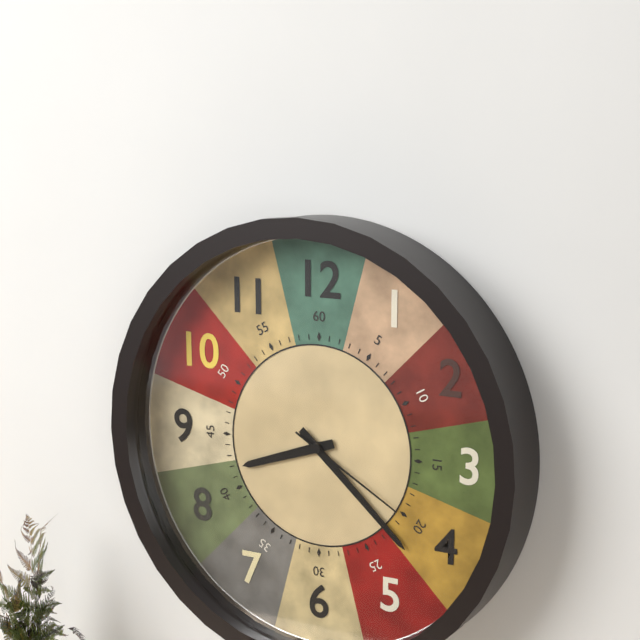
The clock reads h=8 m=22 s=20
